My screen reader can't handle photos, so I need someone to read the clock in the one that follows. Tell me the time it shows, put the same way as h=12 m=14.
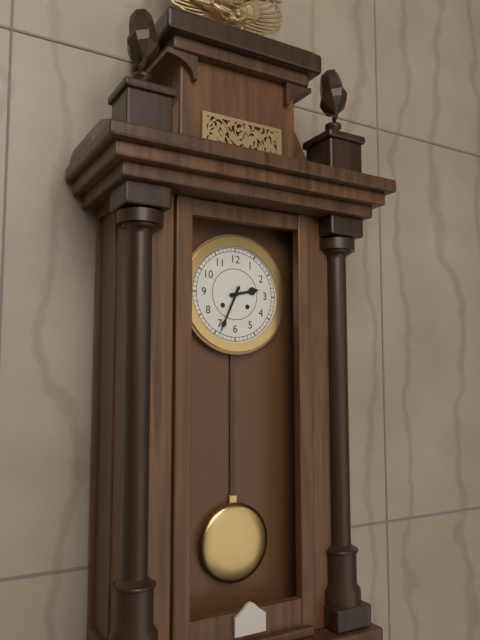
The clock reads h=2 m=34
